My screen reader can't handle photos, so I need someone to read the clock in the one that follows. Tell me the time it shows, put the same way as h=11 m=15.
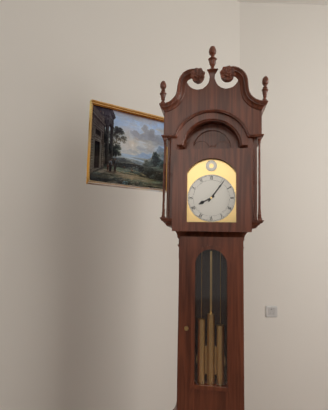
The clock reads h=8 m=6
